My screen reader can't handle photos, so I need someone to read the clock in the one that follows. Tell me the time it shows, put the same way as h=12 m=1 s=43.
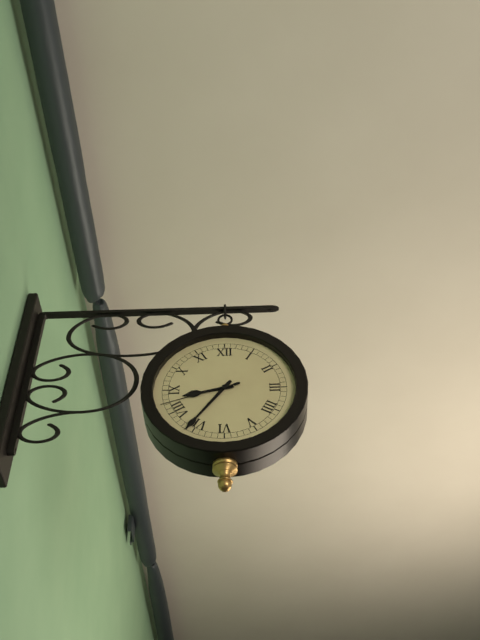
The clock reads h=8 m=36 s=42
